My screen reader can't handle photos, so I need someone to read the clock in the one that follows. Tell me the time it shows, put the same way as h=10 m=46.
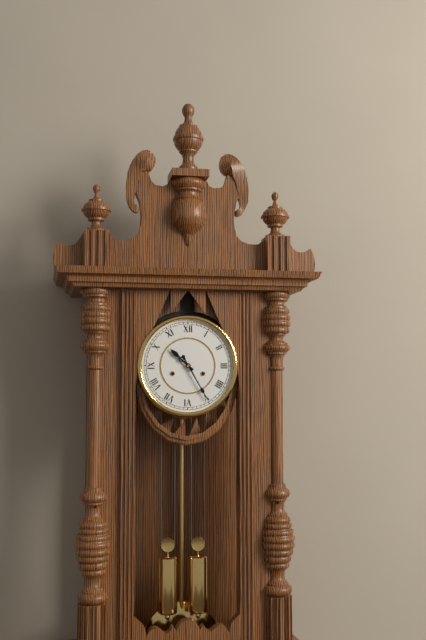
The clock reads h=10 m=25
